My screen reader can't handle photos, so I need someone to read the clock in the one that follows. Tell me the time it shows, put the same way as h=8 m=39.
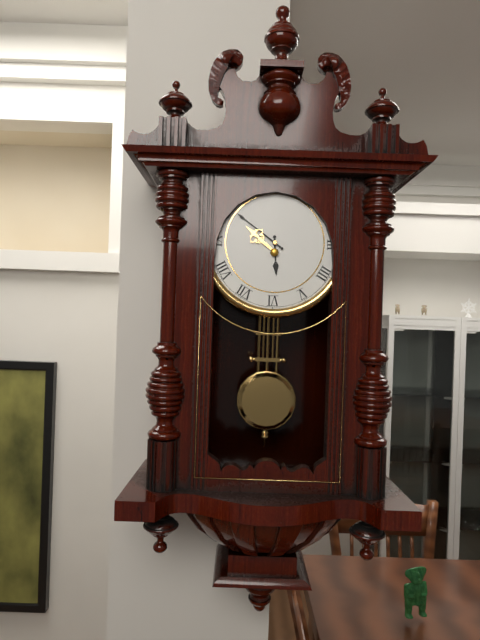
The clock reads h=5 m=51
